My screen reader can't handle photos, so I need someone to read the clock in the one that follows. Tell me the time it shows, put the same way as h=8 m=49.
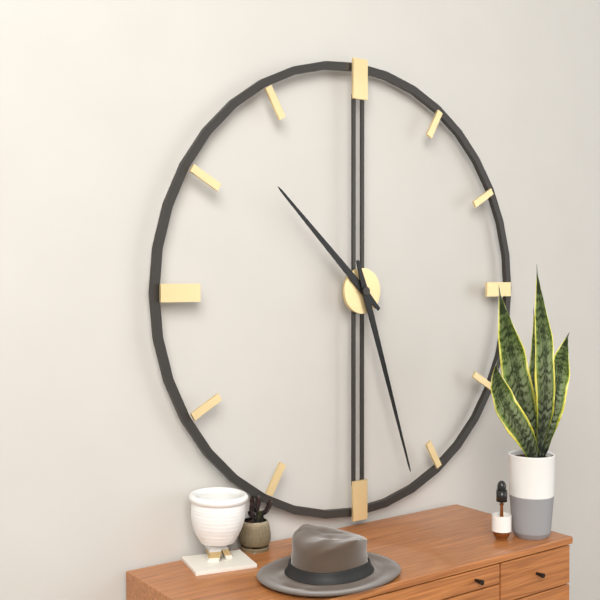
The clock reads h=10 m=27
